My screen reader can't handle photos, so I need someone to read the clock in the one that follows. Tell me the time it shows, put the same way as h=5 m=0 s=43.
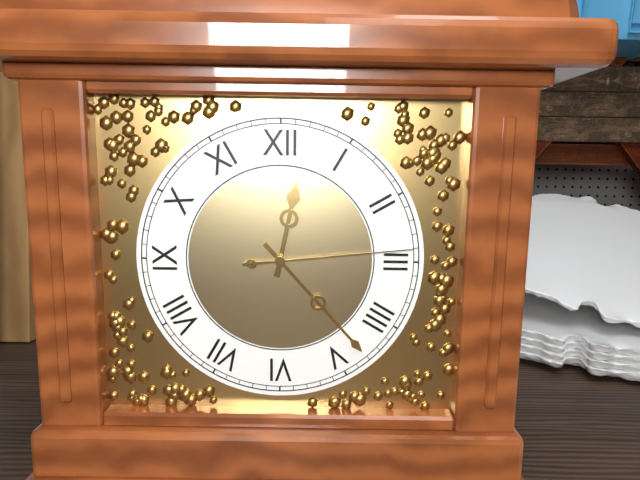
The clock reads h=12 m=23 s=14
